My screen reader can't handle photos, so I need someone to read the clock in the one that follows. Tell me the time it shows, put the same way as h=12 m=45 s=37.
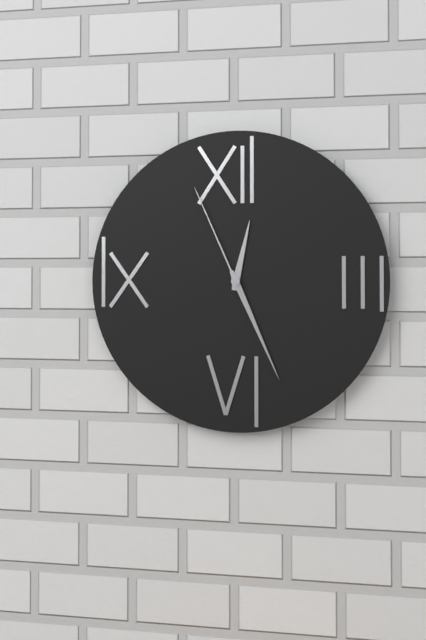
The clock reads h=12 m=26 s=56
